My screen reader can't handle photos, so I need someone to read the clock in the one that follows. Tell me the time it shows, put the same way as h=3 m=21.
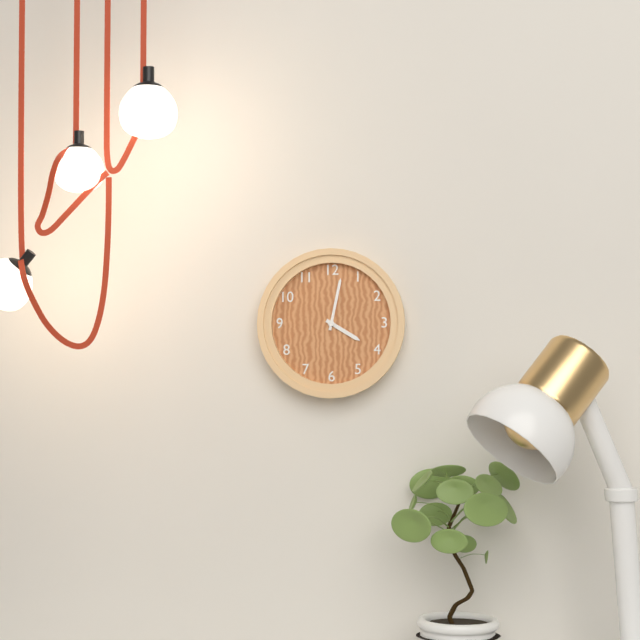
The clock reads h=4 m=2
